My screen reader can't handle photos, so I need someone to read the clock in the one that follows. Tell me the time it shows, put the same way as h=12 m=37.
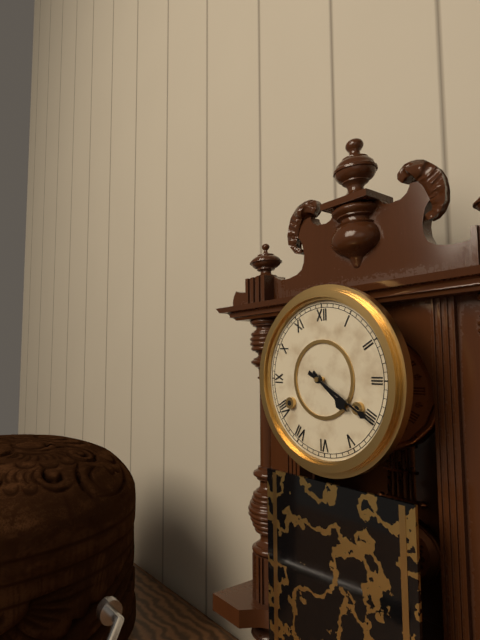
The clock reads h=4 m=20
